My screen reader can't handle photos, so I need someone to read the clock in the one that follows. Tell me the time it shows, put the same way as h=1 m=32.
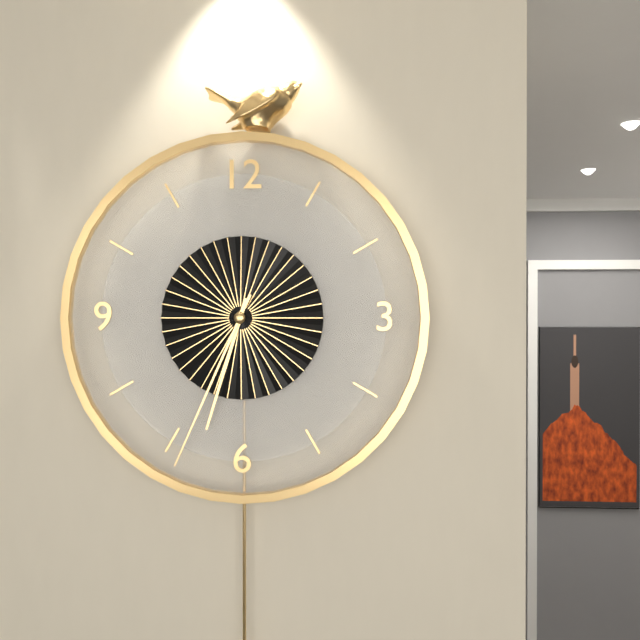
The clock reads h=6 m=34
